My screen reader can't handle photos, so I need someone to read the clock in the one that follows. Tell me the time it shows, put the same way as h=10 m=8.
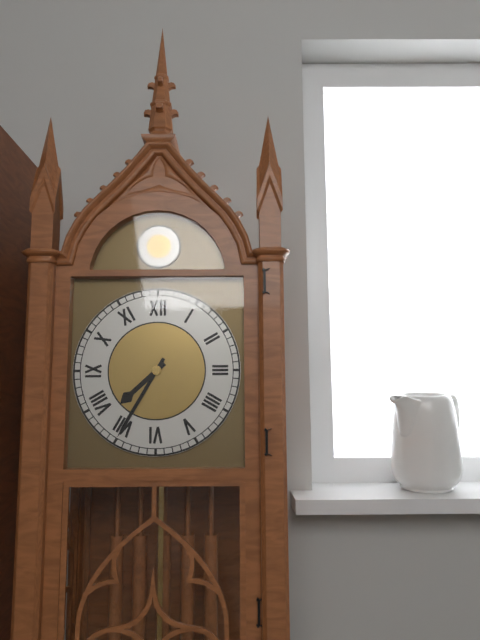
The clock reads h=7 m=35
